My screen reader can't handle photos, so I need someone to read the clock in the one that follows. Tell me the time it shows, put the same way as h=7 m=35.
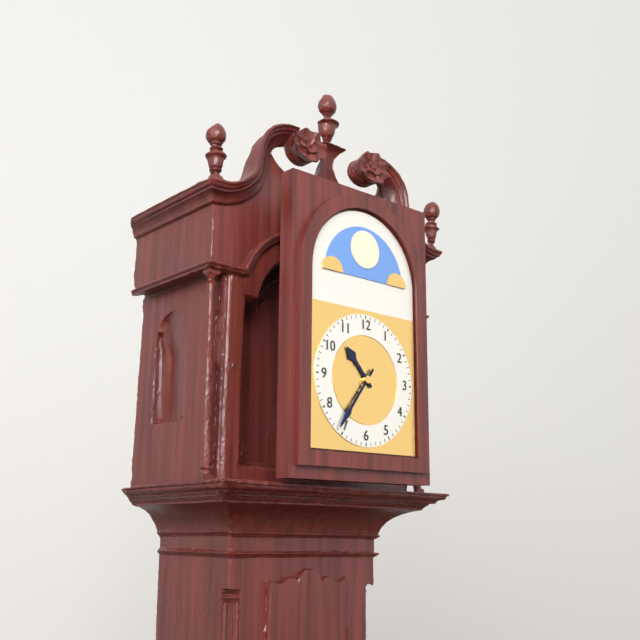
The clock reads h=10 m=36
